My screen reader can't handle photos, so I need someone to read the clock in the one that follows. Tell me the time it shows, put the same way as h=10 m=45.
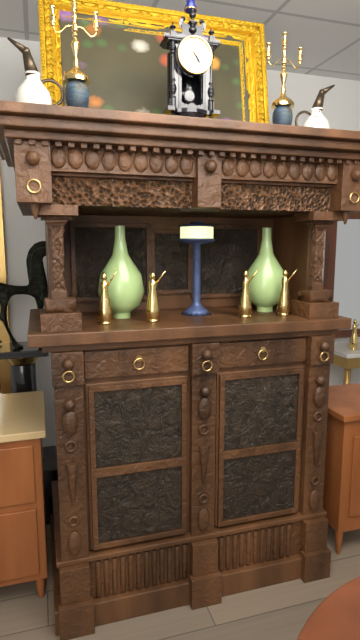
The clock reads h=4 m=52
